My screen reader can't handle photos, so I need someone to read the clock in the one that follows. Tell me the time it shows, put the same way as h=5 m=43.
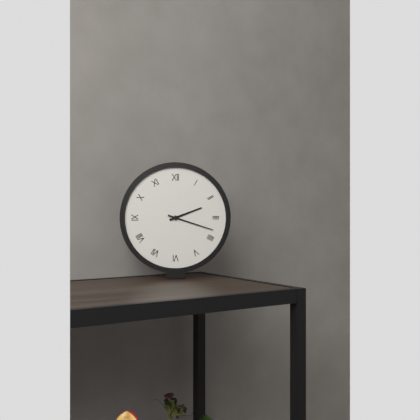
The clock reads h=2 m=18
